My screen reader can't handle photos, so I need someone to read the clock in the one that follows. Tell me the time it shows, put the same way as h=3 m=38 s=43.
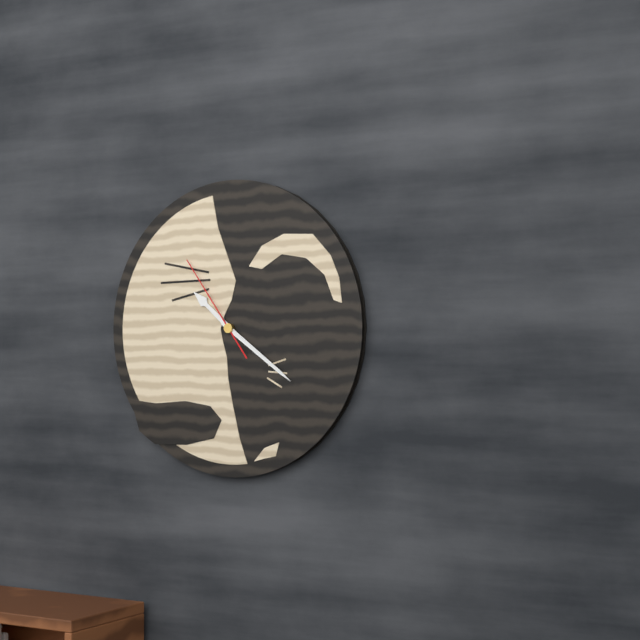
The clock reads h=10 m=21 s=54
